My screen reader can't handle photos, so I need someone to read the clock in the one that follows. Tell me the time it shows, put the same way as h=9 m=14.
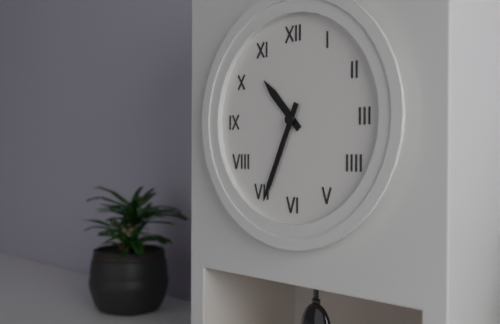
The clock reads h=10 m=34
